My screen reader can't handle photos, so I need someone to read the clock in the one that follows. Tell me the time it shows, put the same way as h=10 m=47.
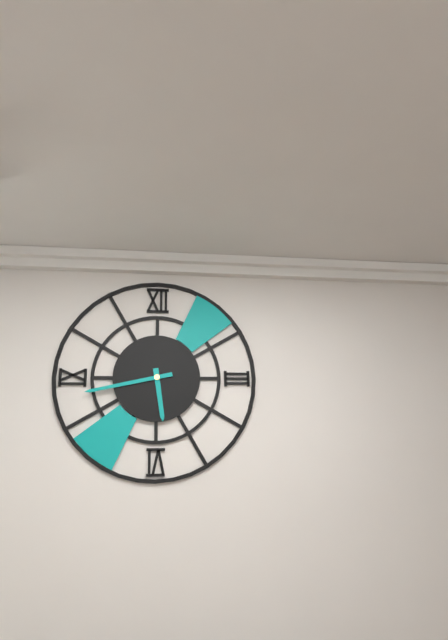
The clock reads h=5 m=43
